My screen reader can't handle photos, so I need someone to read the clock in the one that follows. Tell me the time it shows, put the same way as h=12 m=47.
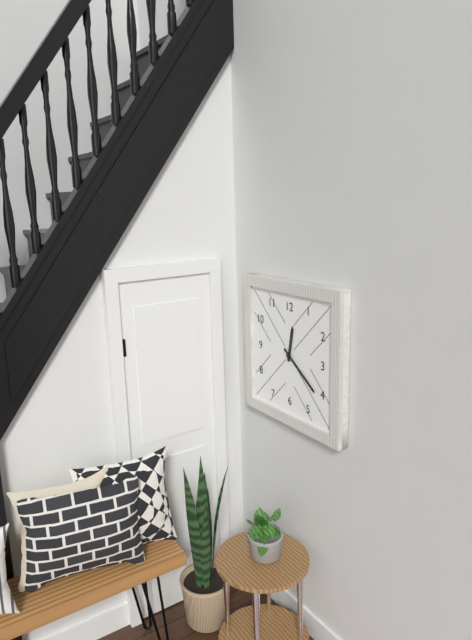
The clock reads h=12 m=21
